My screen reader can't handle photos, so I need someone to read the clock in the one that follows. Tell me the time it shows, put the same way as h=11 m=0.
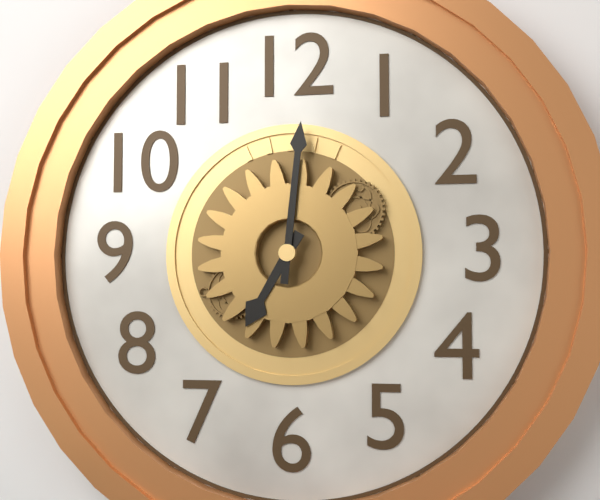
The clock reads h=7 m=1
